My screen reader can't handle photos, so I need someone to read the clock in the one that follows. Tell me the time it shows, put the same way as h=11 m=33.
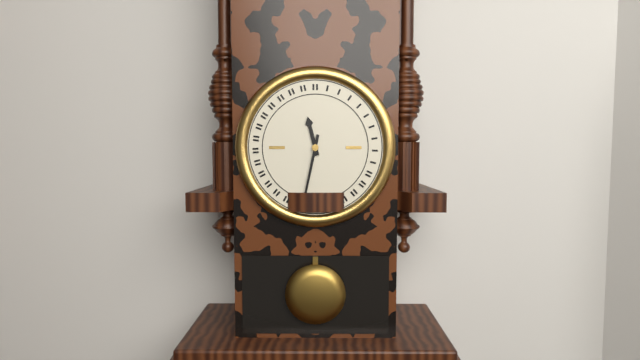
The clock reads h=11 m=32
